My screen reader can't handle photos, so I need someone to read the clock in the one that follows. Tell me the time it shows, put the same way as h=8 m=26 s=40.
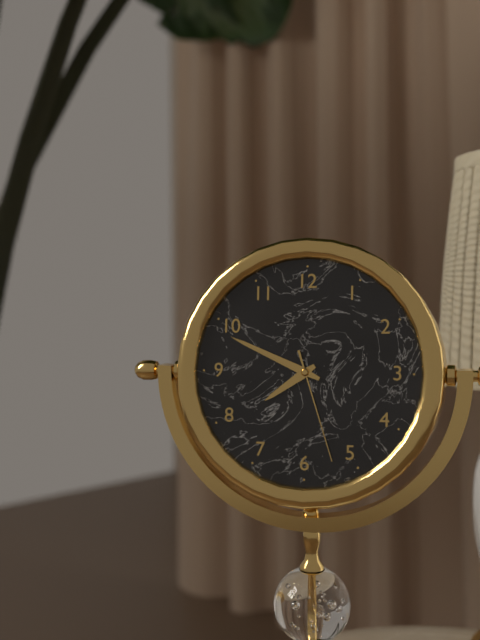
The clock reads h=7 m=49 s=27
